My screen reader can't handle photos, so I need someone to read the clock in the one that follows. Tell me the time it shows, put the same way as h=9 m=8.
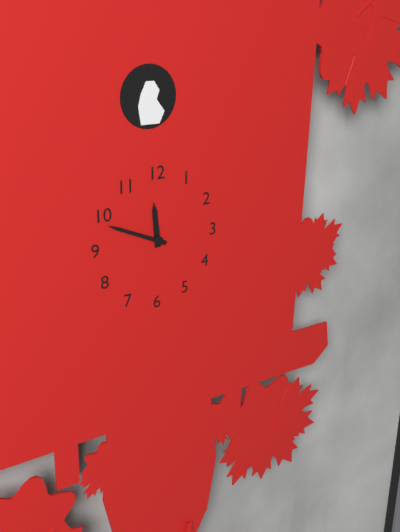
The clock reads h=11 m=49
